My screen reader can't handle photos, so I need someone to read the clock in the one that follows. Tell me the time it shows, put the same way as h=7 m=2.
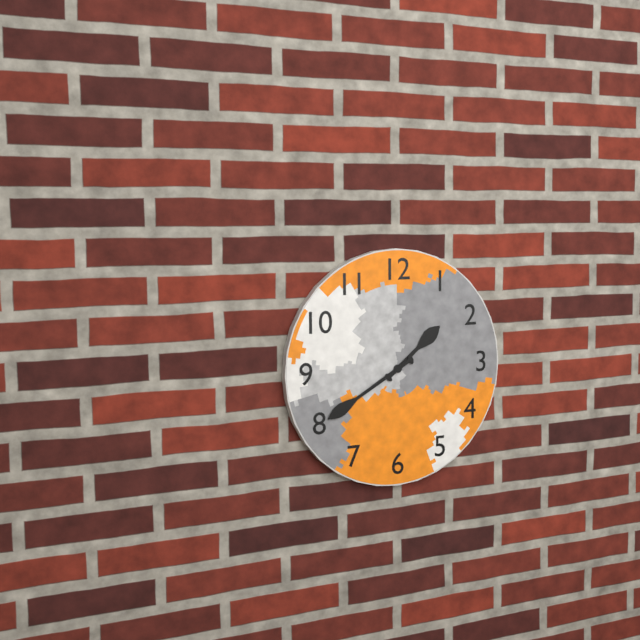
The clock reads h=1 m=40
